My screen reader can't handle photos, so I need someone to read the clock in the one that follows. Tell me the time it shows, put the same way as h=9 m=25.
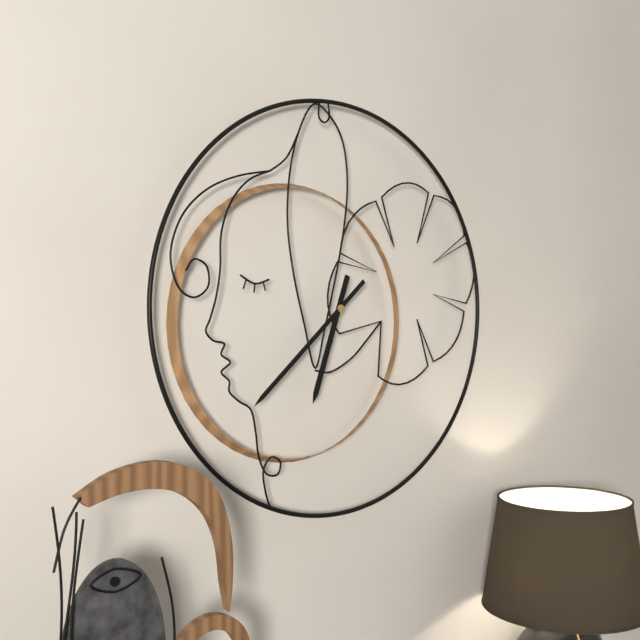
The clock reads h=6 m=38
